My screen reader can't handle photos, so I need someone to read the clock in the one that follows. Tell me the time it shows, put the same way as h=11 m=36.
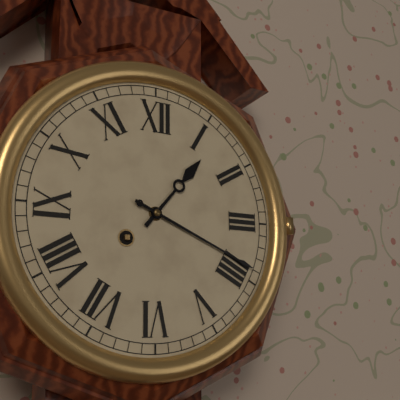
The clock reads h=1 m=19
